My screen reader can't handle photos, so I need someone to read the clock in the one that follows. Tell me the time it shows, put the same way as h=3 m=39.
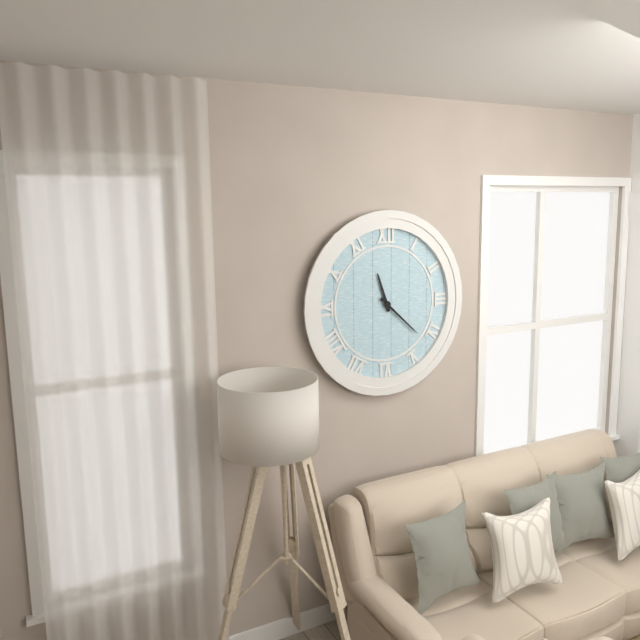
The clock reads h=11 m=22
